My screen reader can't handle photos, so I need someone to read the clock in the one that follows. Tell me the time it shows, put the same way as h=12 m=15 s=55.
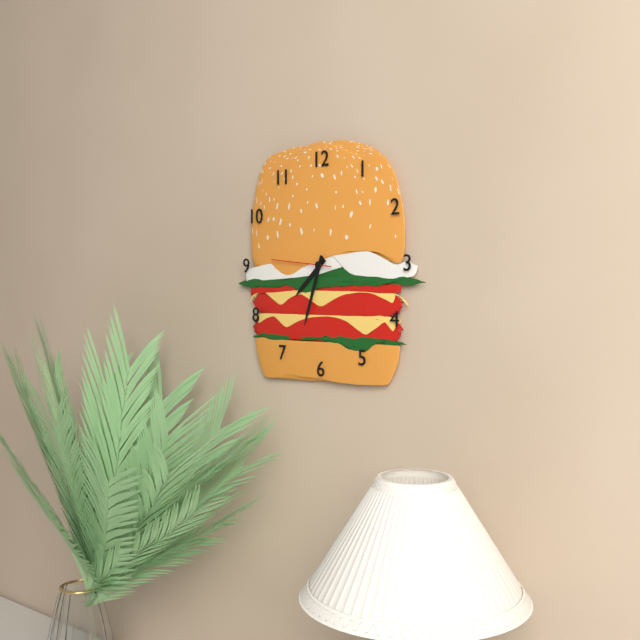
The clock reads h=7 m=33 s=46
